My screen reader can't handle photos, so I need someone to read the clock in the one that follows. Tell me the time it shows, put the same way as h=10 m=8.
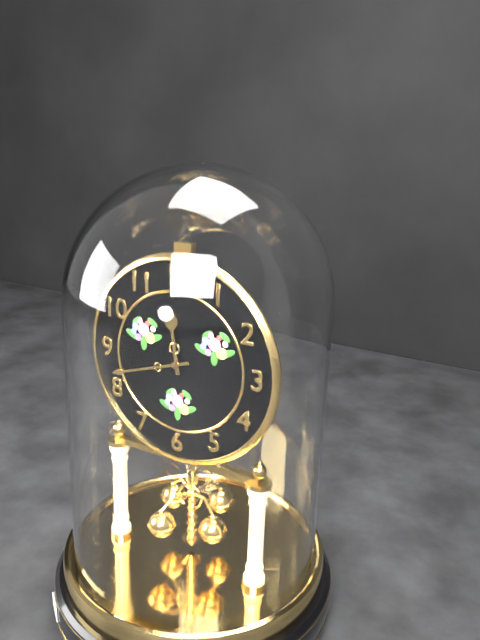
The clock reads h=11 m=42
